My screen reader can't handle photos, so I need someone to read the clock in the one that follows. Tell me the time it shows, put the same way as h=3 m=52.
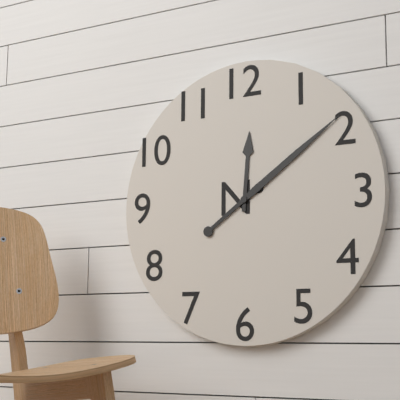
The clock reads h=12 m=9
